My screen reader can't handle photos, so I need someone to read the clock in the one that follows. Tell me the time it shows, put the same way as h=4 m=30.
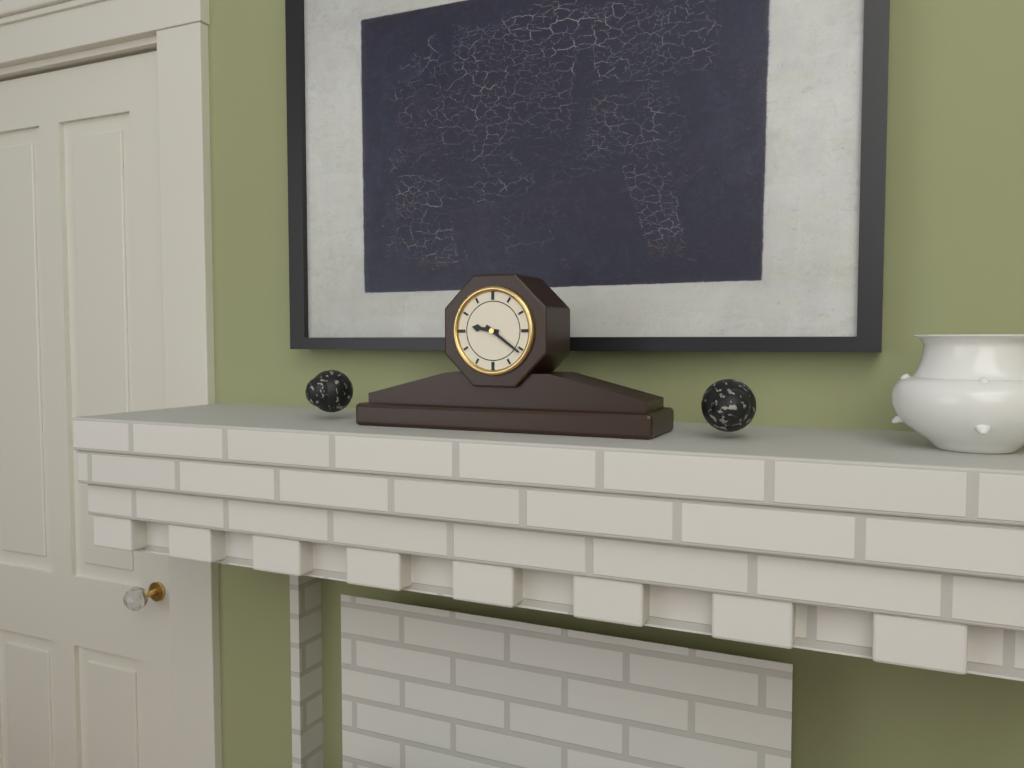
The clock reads h=9 m=21
